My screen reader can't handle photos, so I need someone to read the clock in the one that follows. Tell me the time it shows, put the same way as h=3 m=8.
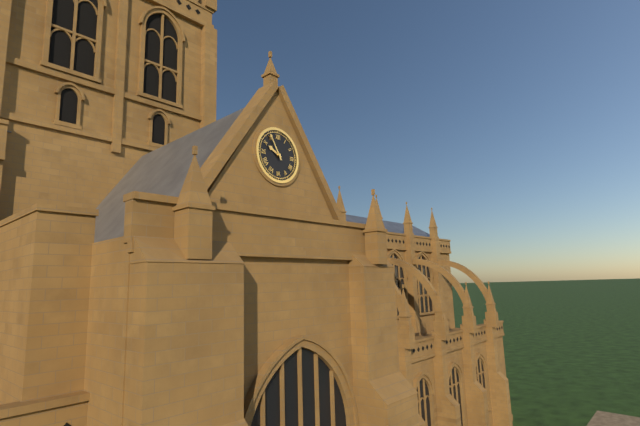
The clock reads h=9 m=55
